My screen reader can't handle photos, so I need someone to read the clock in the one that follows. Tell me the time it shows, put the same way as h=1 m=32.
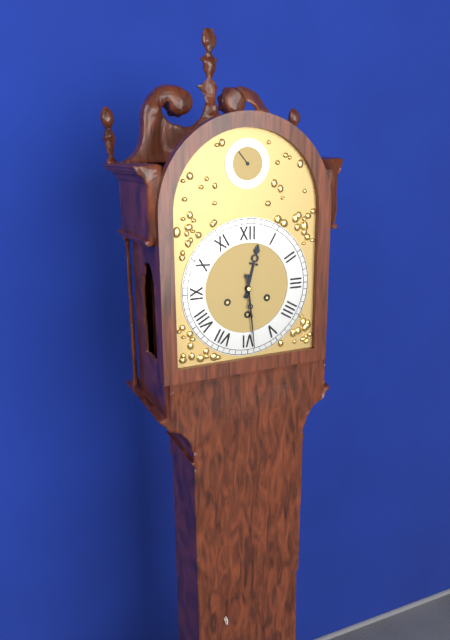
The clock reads h=12 m=29
